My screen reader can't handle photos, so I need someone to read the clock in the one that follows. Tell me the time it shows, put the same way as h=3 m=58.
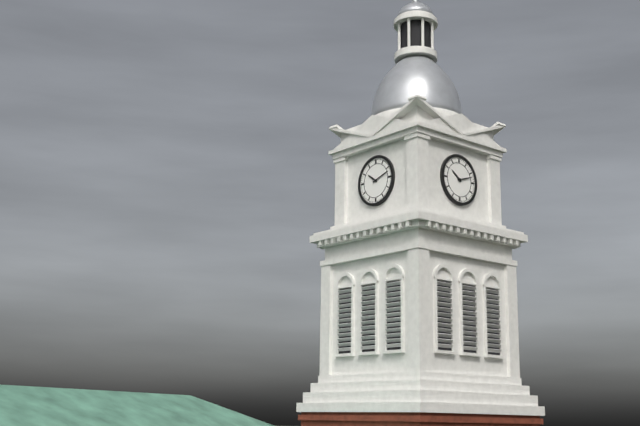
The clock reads h=10 m=12
